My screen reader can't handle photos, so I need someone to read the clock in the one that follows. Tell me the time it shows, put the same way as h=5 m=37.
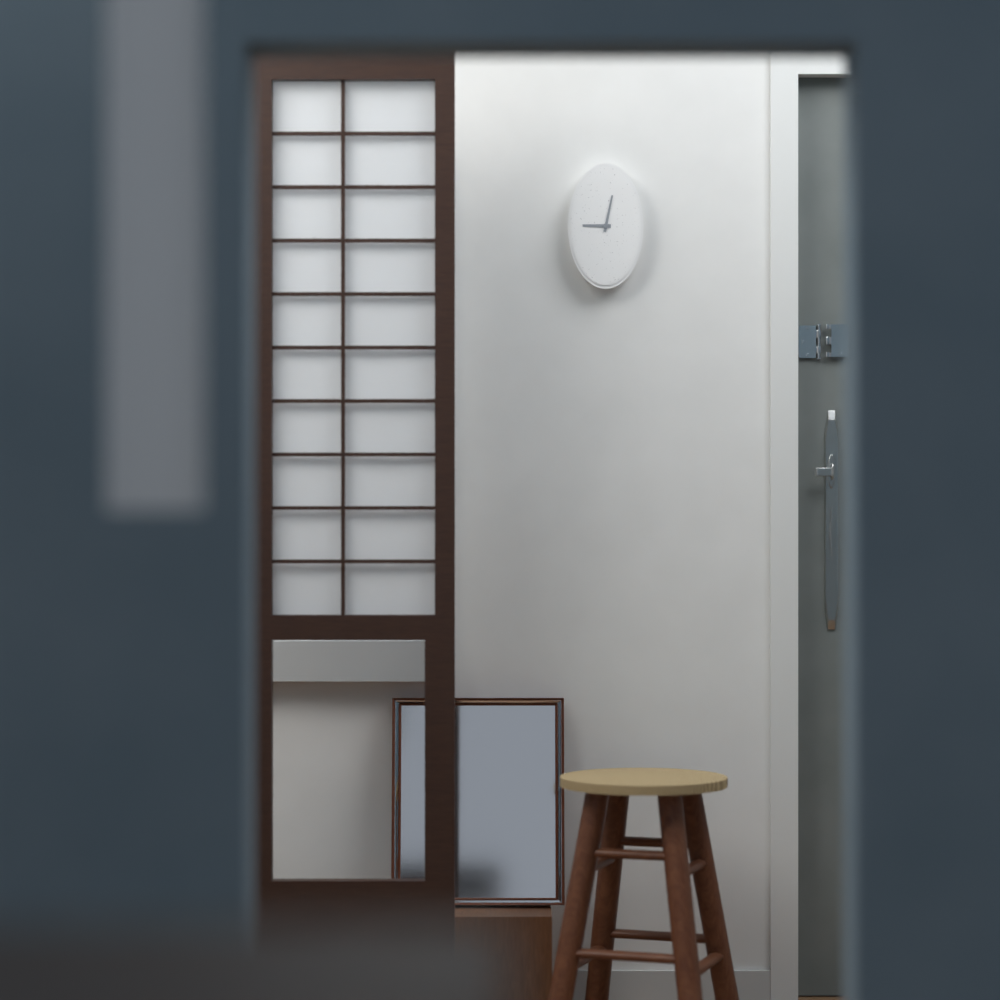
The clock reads h=9 m=2
